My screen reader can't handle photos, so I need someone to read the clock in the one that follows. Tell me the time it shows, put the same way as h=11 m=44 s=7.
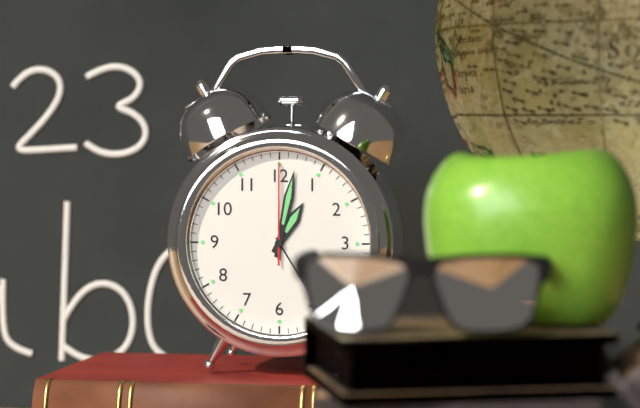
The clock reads h=1 m=2 s=0
